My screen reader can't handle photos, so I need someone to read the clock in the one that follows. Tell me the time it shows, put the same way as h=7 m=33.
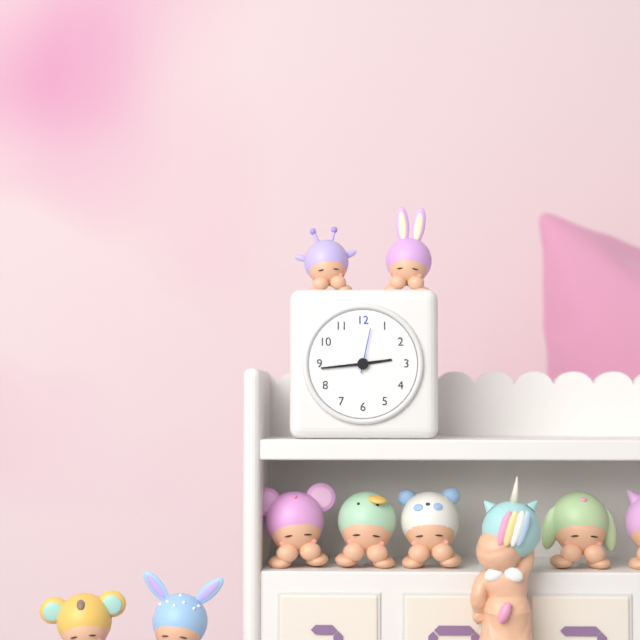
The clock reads h=2 m=44
